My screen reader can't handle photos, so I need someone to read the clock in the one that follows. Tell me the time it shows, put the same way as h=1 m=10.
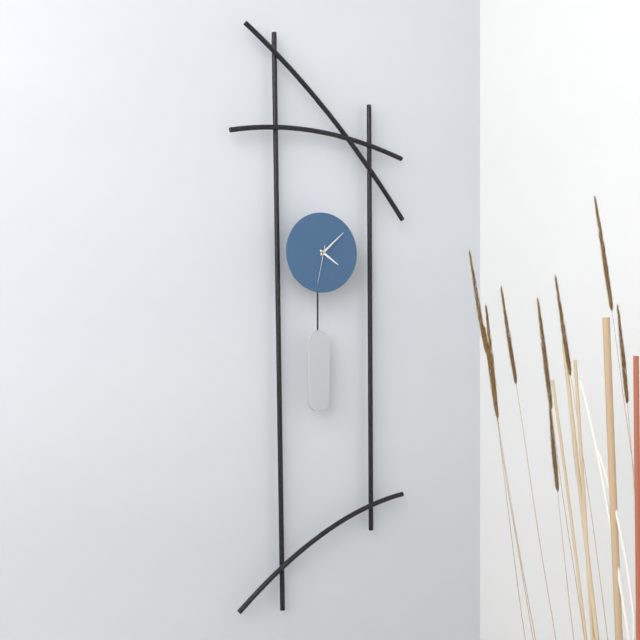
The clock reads h=4 m=8
